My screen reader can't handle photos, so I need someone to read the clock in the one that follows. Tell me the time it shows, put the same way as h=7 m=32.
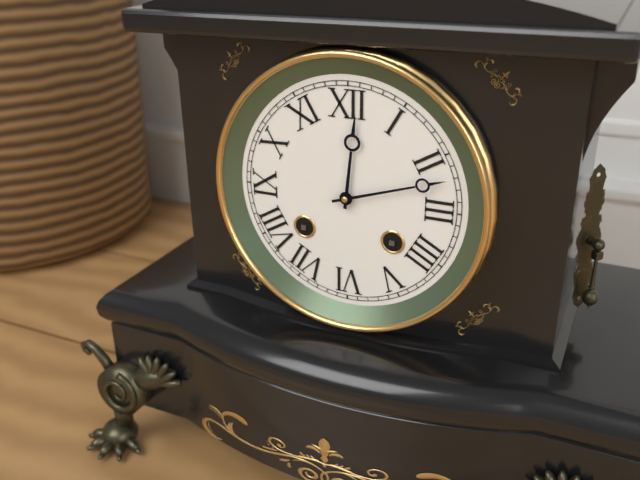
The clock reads h=12 m=12
